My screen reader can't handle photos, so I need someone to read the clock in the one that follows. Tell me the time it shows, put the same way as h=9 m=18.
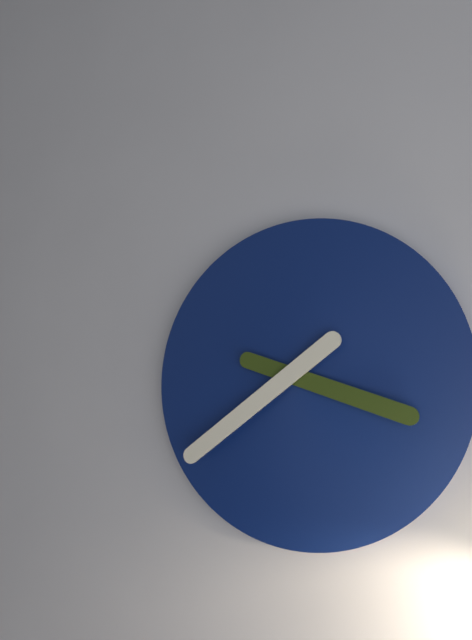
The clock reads h=3 m=39
